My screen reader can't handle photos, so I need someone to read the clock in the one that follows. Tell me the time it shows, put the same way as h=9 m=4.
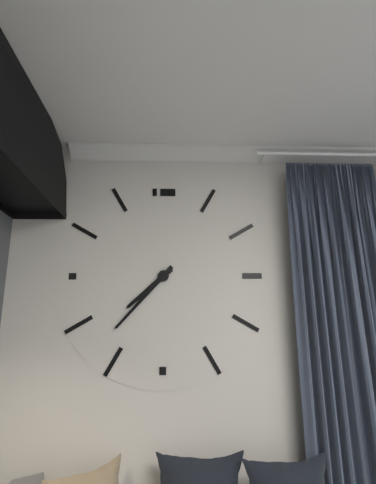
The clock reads h=7 m=37
